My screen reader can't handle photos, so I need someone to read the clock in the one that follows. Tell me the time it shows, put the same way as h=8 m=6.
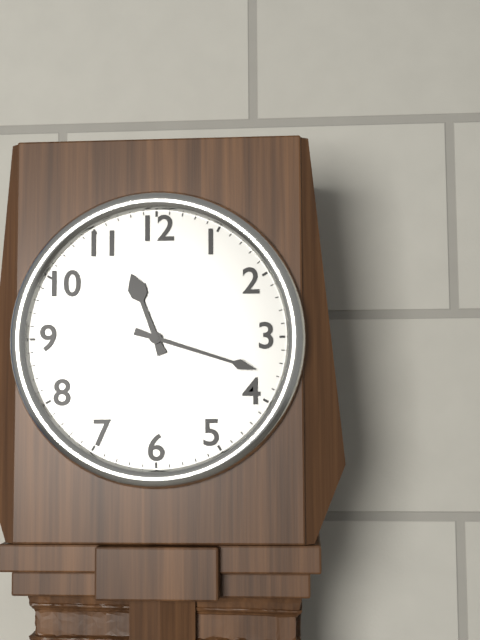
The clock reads h=11 m=18
